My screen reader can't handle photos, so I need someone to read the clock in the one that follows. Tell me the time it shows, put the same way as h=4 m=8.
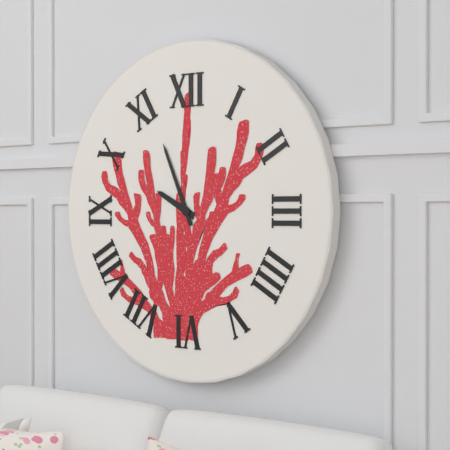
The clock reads h=9 m=56
